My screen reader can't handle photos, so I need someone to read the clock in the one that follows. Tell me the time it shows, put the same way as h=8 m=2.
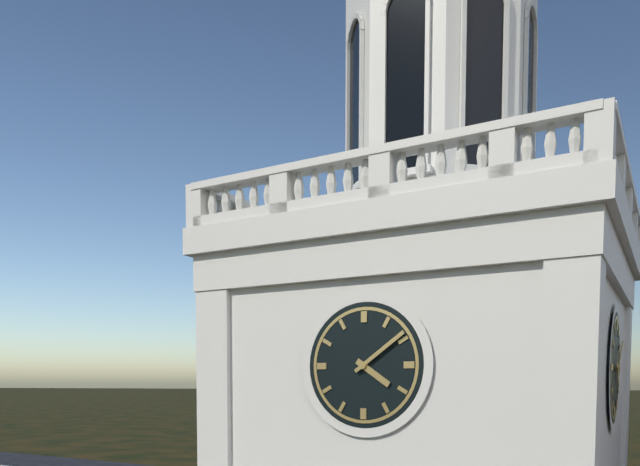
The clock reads h=4 m=9
